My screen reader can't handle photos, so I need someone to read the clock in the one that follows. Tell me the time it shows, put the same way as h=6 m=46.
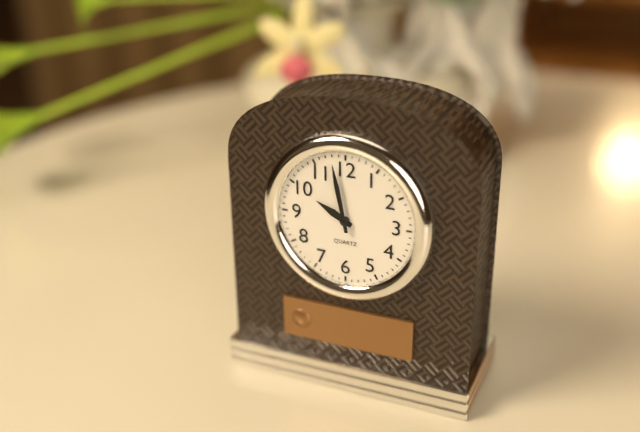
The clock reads h=9 m=58
